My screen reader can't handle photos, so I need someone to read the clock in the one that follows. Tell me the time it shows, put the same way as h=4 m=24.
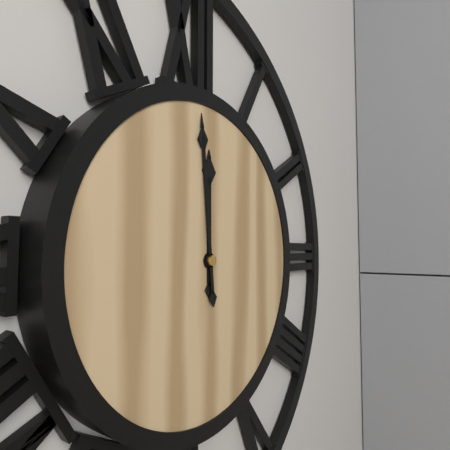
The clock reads h=11 m=59
